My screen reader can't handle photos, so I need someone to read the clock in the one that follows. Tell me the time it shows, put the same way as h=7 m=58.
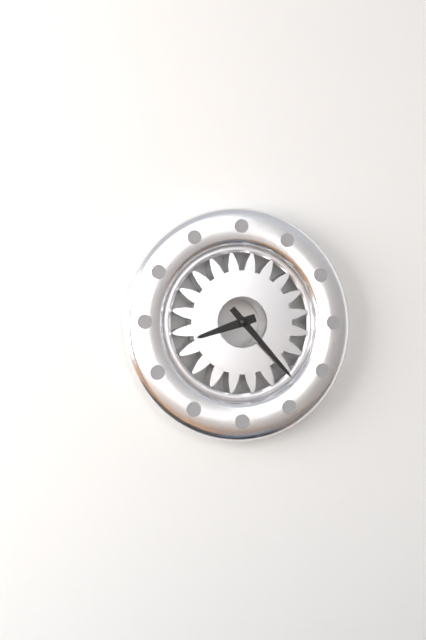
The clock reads h=8 m=23
